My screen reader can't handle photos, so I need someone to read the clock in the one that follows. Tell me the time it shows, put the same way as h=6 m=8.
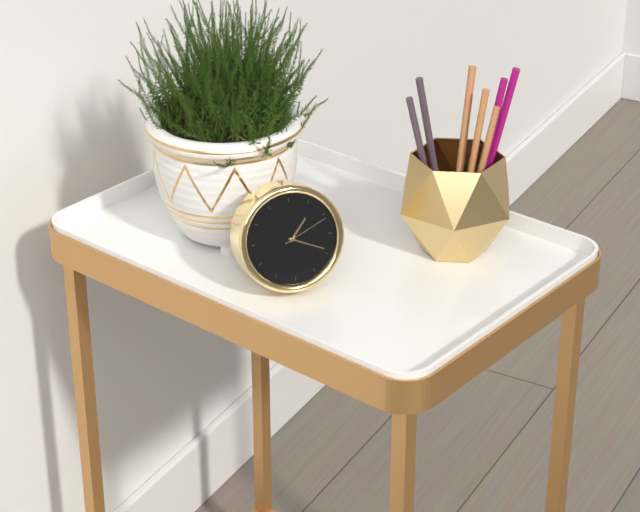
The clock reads h=1 m=19
